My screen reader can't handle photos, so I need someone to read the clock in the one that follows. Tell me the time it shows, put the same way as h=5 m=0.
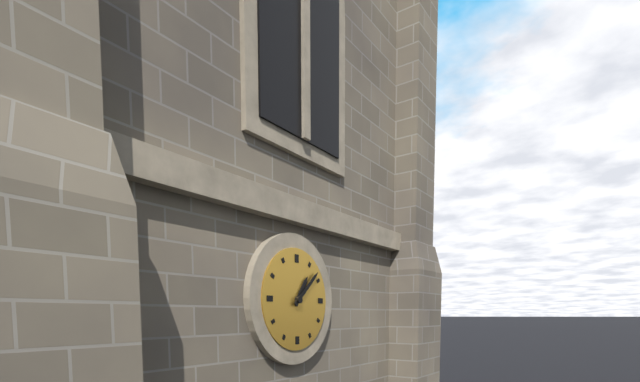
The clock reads h=1 m=8
